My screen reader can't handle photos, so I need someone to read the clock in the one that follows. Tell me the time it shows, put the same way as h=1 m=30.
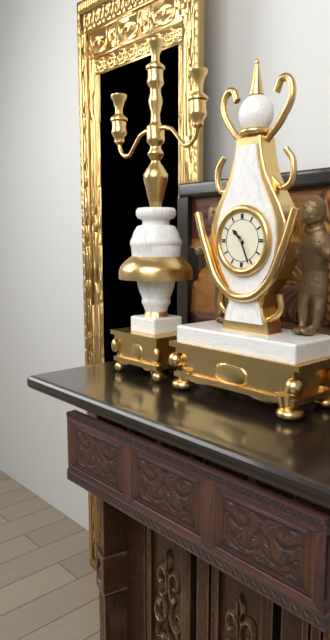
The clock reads h=10 m=26
